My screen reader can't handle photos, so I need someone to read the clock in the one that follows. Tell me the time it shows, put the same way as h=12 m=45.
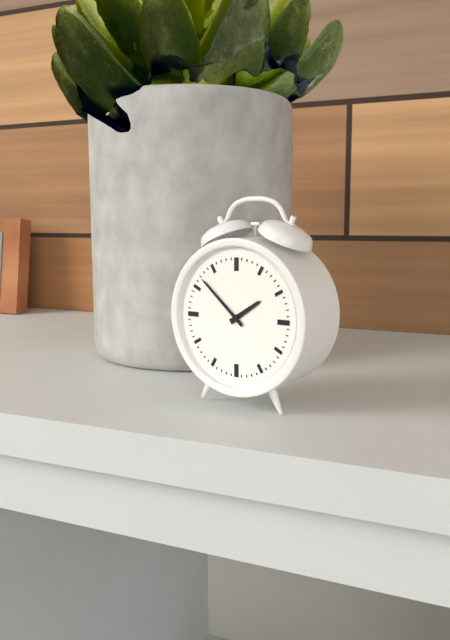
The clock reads h=1 m=52
